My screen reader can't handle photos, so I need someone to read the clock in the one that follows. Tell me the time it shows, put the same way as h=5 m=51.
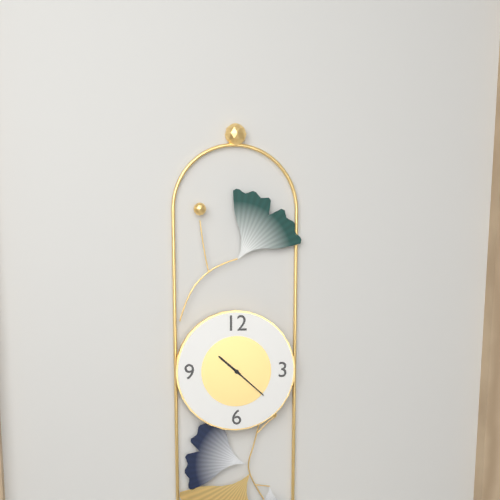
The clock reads h=10 m=22
